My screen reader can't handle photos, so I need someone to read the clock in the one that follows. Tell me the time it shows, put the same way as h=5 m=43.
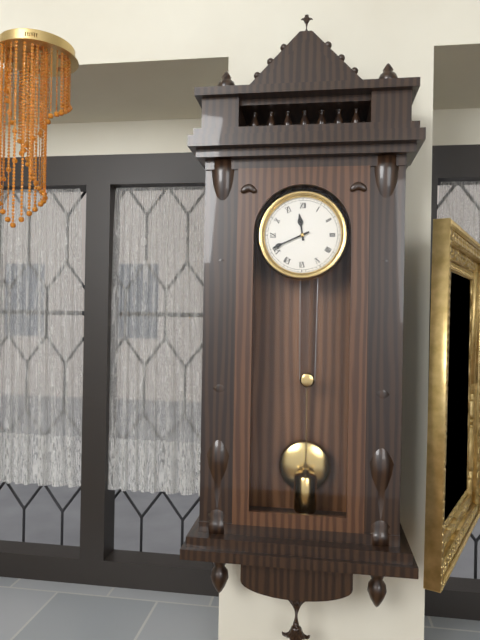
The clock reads h=11 m=41
